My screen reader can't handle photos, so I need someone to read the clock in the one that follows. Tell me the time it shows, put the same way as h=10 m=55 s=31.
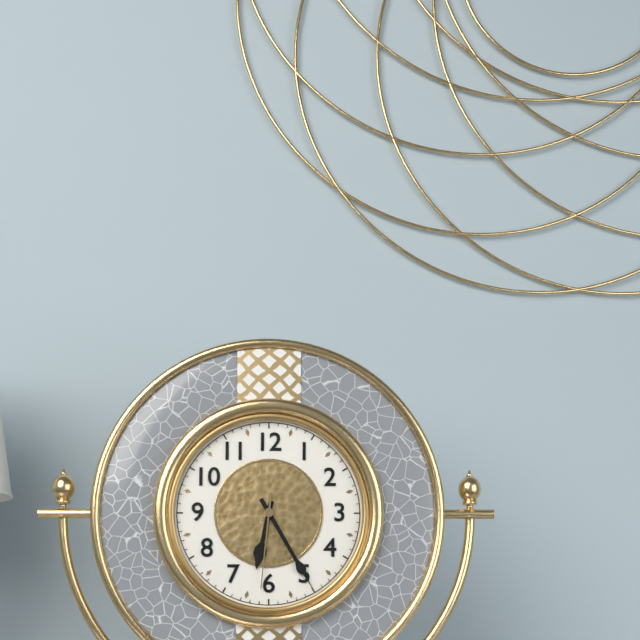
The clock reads h=6 m=25 s=31
